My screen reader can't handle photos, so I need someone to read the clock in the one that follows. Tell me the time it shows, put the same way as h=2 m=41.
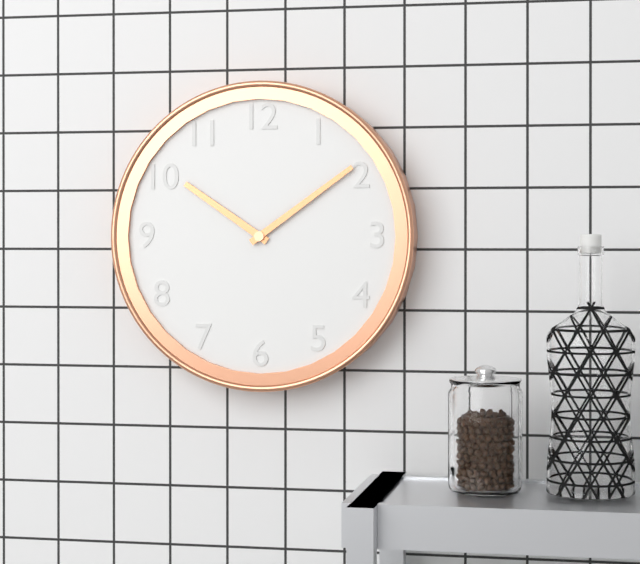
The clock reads h=10 m=9
